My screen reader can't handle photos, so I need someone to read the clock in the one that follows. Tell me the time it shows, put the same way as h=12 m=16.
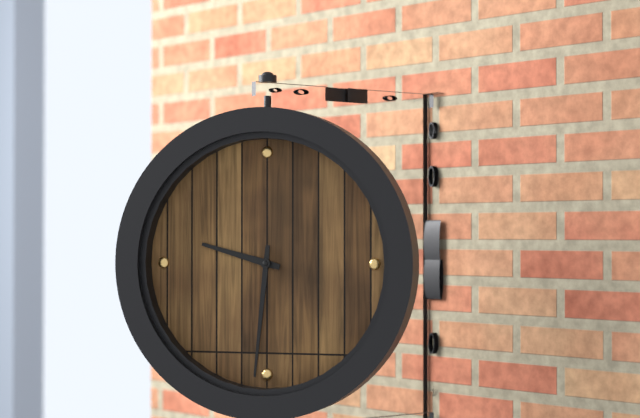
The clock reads h=9 m=31
